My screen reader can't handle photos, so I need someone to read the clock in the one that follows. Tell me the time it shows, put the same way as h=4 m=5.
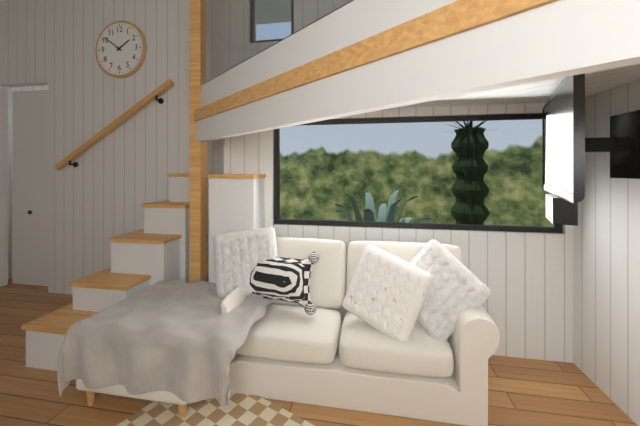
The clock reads h=1 m=51
